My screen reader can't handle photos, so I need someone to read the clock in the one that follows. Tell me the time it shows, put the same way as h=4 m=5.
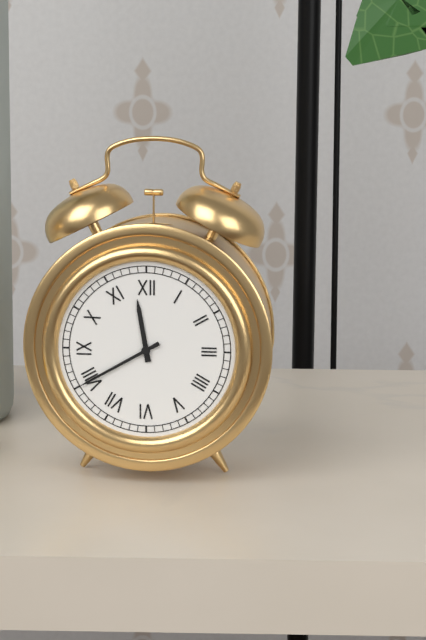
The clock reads h=11 m=40
